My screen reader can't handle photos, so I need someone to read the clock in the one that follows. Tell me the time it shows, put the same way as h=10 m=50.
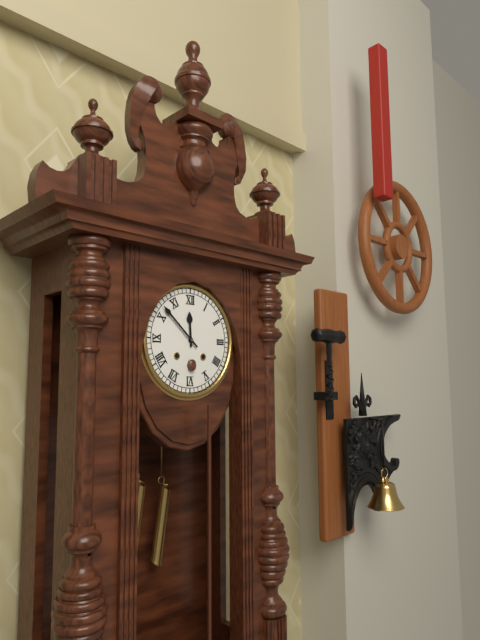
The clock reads h=11 m=52
